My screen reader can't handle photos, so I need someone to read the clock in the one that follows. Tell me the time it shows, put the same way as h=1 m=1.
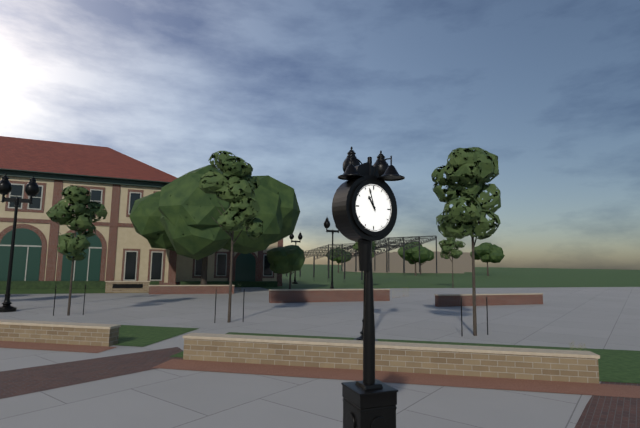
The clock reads h=10 m=57
